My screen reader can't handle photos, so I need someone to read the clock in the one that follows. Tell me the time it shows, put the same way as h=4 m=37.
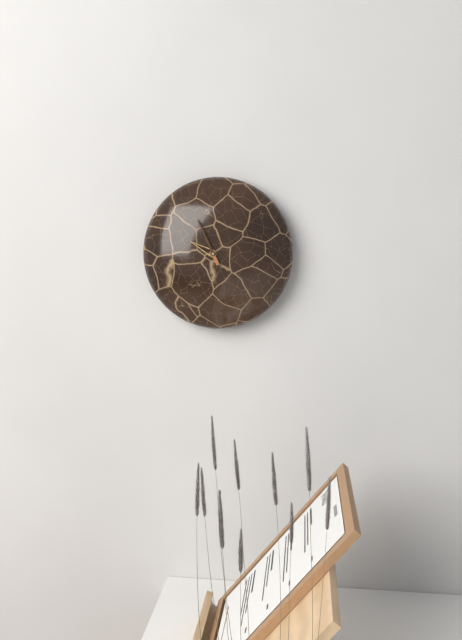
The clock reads h=9 m=56
